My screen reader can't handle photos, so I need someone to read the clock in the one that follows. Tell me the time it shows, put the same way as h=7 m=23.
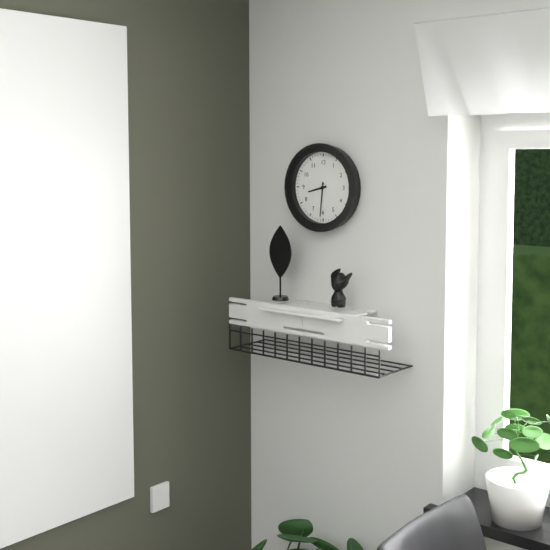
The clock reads h=8 m=31
